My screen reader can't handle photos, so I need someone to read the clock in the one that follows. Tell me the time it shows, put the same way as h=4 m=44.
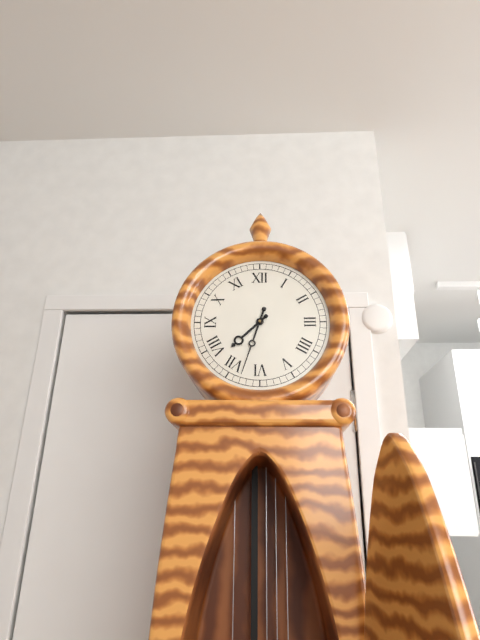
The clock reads h=7 m=33
